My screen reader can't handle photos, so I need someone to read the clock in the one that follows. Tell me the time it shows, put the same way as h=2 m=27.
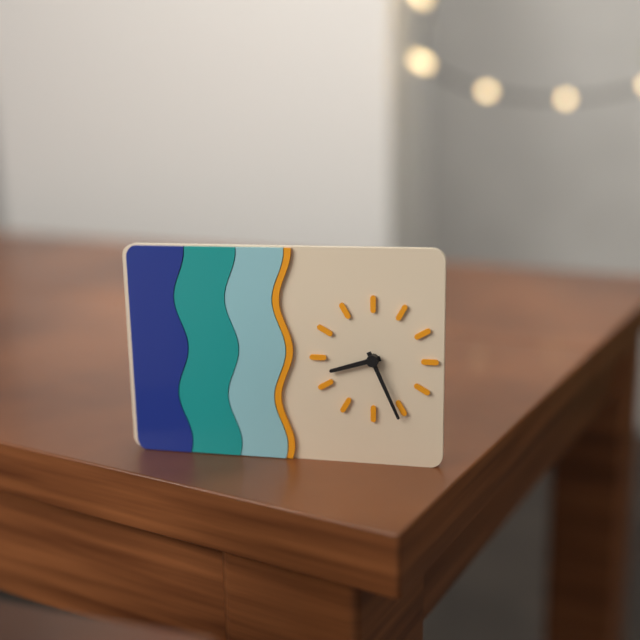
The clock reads h=8 m=26
